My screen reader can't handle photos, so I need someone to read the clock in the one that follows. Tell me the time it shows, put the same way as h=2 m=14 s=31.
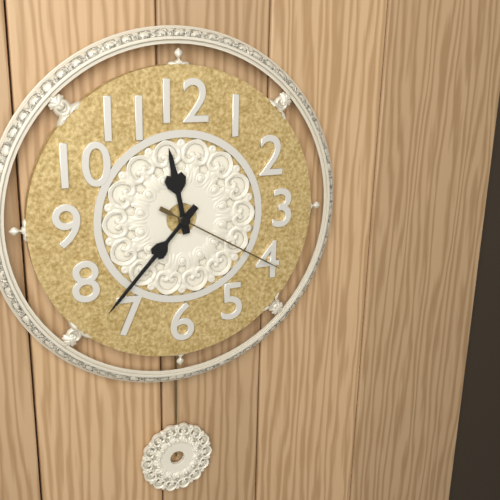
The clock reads h=11 m=37 s=20
